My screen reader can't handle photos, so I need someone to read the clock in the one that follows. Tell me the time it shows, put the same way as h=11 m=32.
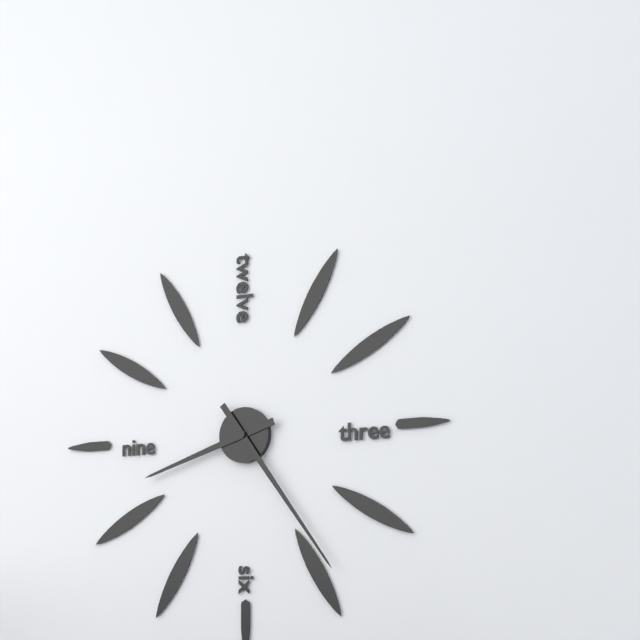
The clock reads h=8 m=24
